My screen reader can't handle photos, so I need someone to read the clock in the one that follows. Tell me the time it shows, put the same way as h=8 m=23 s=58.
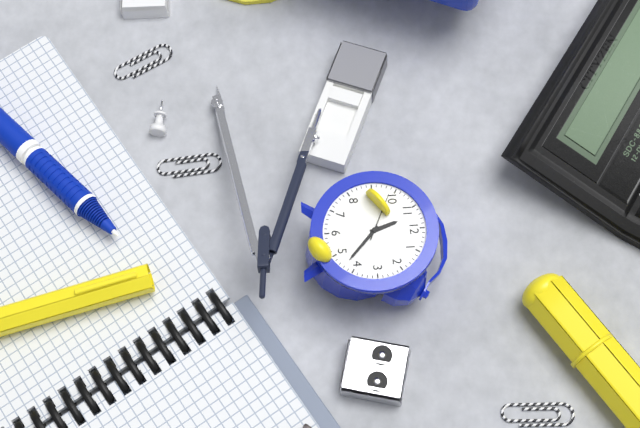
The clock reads h=11 m=22 s=49
